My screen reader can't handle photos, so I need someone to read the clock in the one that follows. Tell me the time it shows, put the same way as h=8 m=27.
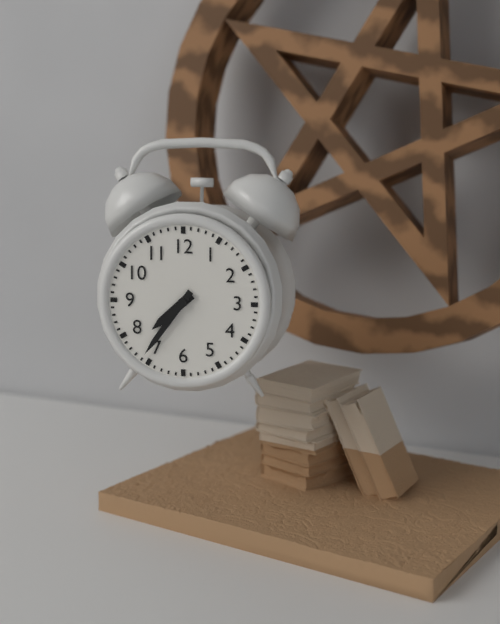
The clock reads h=7 m=36
